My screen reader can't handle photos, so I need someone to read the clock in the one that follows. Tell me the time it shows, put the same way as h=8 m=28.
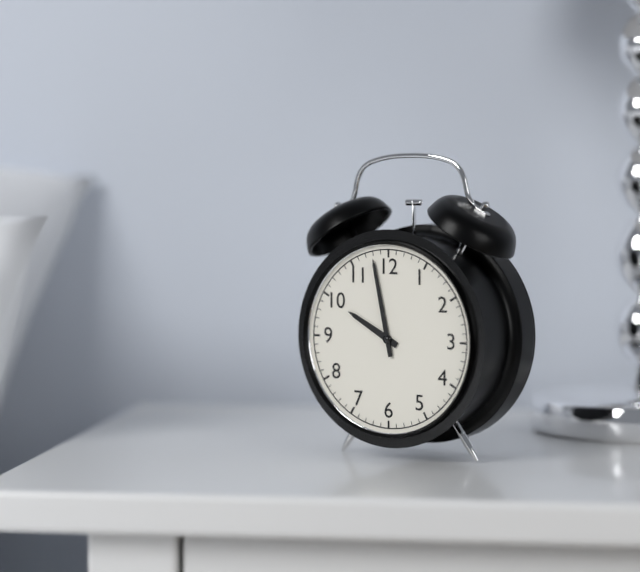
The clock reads h=9 m=58
